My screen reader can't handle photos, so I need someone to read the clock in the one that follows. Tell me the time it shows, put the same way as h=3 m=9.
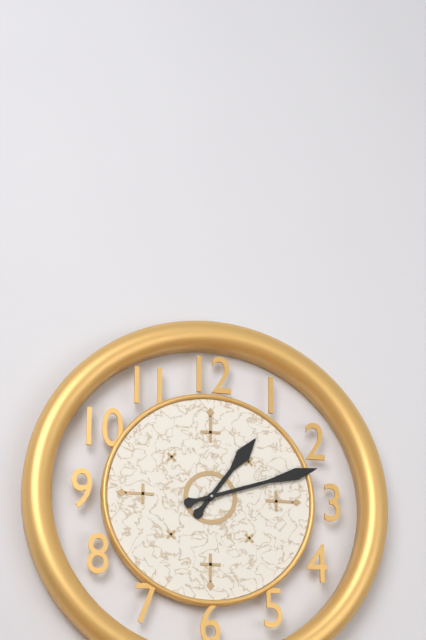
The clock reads h=1 m=12
